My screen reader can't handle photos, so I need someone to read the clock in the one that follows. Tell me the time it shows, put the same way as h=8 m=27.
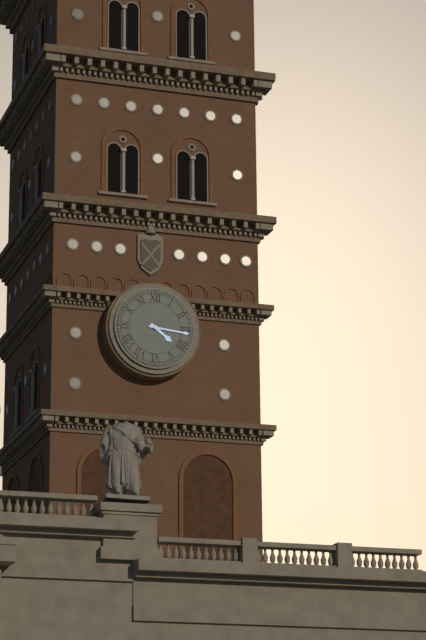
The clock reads h=4 m=16
